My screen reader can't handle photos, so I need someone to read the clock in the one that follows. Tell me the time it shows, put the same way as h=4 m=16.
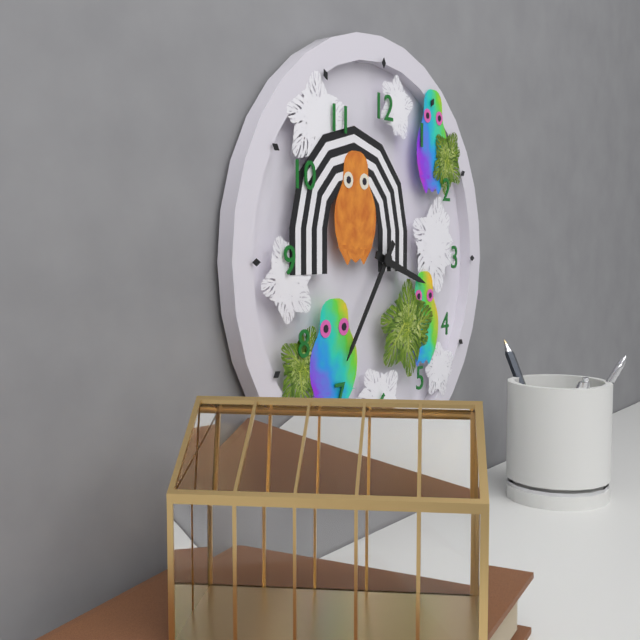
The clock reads h=3 m=36
